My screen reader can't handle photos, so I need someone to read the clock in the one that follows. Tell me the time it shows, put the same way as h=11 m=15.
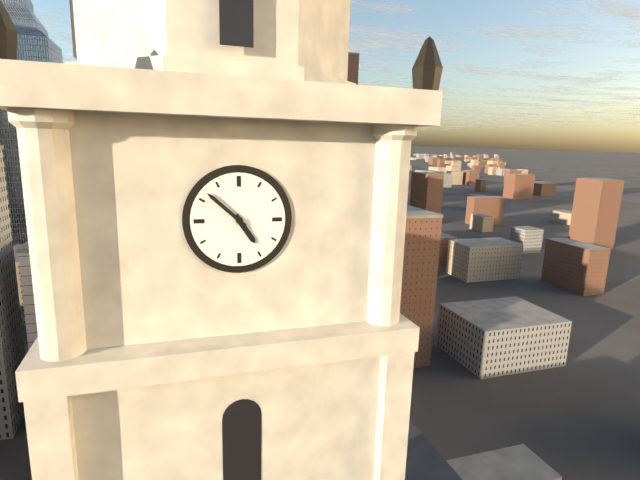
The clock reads h=4 m=52
